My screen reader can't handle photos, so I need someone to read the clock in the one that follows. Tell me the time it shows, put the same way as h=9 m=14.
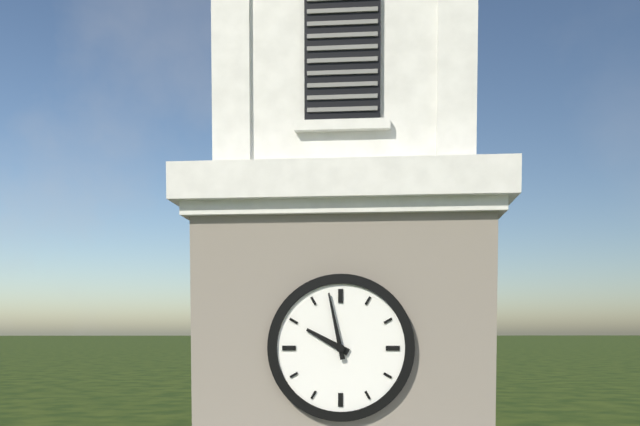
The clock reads h=9 m=58
